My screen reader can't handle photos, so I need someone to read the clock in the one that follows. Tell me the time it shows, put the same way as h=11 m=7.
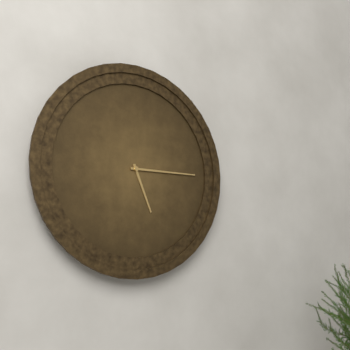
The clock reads h=5 m=15
